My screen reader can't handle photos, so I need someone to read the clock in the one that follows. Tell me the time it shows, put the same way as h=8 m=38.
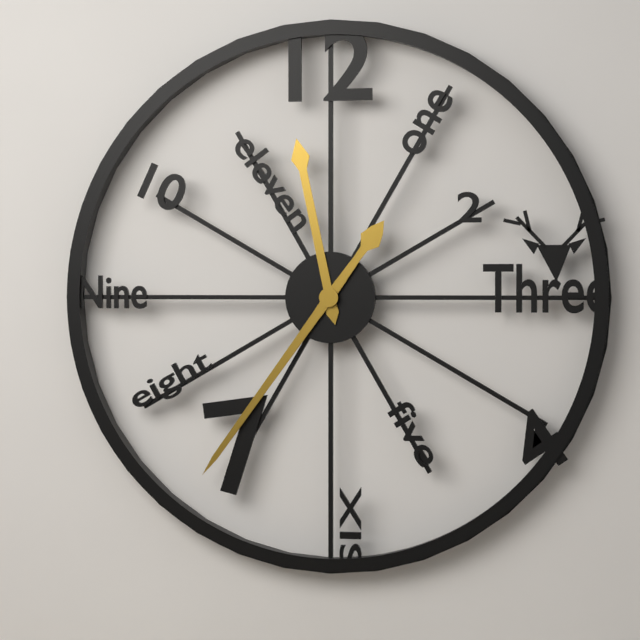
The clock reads h=11 m=36
